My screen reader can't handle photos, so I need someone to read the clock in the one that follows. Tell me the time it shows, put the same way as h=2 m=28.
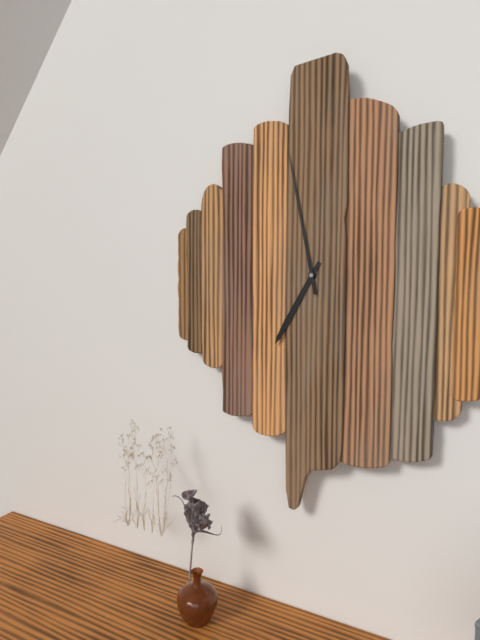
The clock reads h=6 m=58
